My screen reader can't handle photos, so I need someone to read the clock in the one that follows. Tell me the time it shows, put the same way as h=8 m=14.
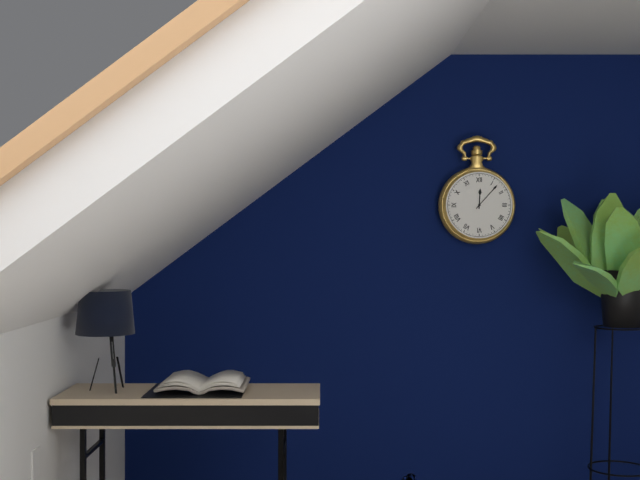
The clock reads h=12 m=7
